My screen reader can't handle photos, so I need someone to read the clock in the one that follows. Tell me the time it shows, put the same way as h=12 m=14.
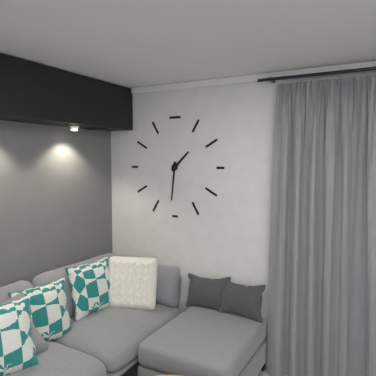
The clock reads h=1 m=31
